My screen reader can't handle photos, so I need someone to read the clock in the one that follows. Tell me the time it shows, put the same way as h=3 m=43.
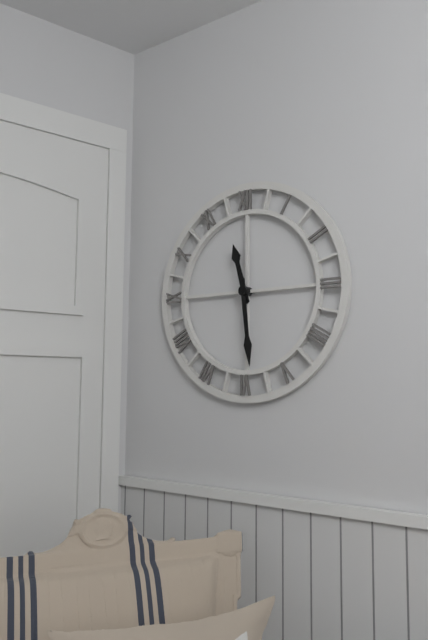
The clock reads h=11 m=29
